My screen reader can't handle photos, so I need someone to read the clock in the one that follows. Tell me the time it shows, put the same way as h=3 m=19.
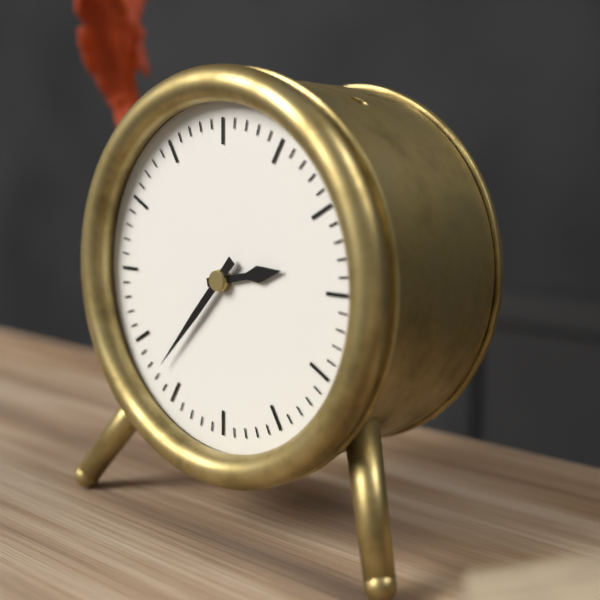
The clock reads h=2 m=37
